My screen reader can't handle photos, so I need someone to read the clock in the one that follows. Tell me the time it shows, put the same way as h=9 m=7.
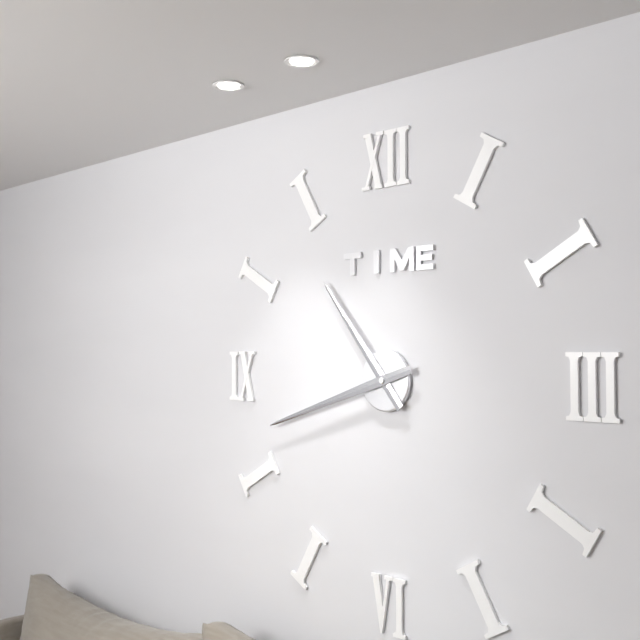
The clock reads h=10 m=42
